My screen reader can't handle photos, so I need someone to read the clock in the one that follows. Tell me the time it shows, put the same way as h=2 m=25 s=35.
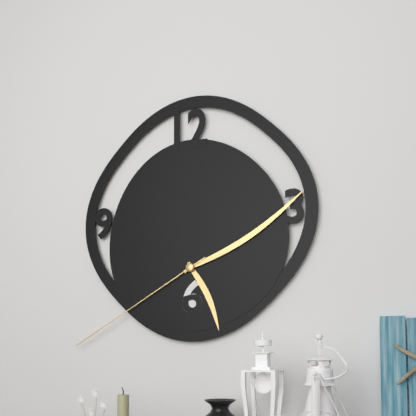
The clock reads h=5 m=10 s=40
